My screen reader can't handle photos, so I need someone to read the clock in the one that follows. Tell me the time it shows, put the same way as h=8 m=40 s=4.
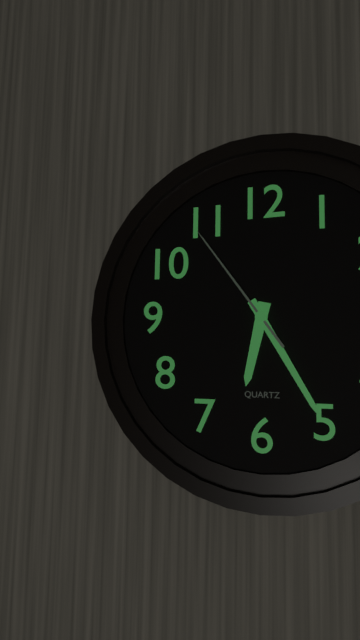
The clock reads h=6 m=25 s=54
